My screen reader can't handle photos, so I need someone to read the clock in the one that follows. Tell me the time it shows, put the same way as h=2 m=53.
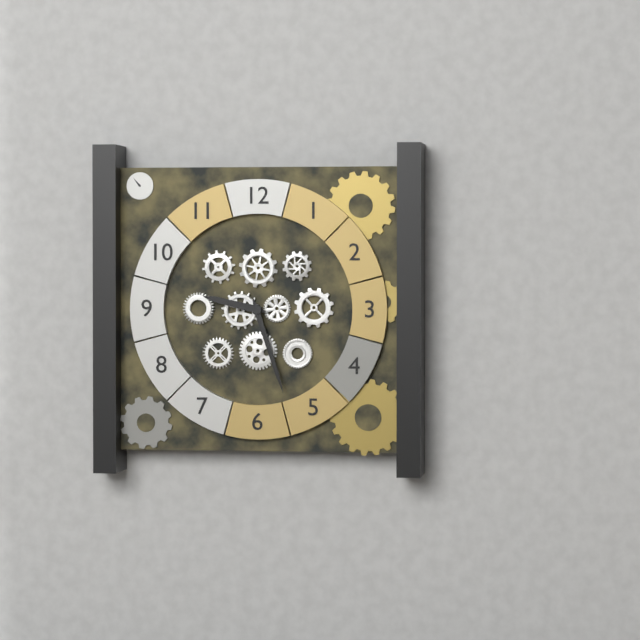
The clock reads h=9 m=27
